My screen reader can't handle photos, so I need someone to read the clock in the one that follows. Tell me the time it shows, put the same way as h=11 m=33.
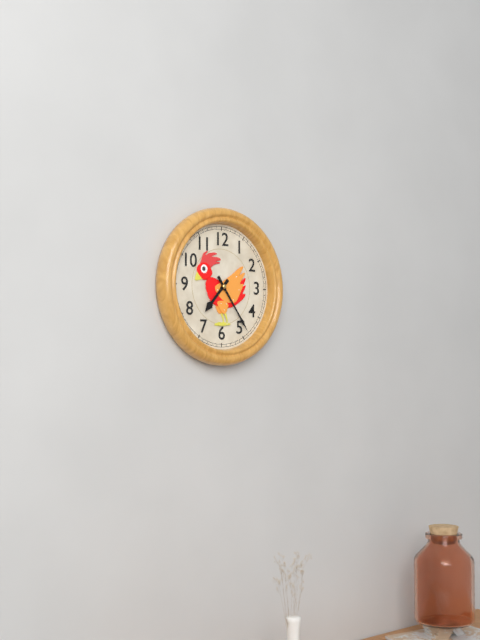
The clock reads h=7 m=24
